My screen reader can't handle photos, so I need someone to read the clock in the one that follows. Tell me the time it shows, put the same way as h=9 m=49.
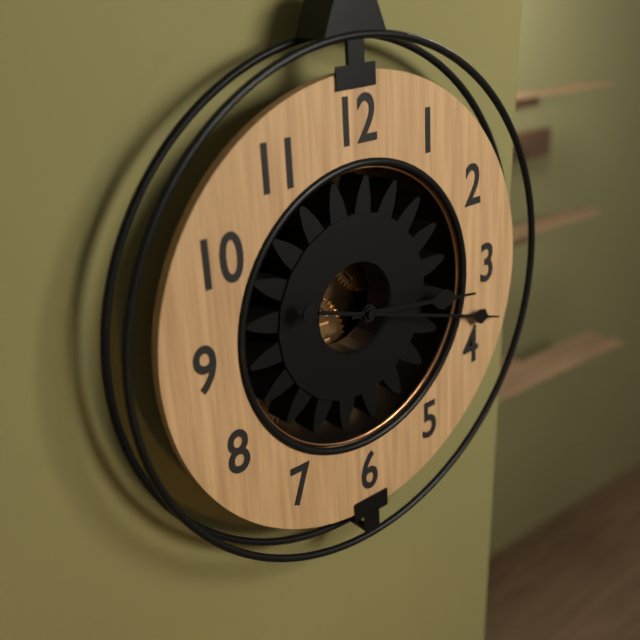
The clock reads h=3 m=18
